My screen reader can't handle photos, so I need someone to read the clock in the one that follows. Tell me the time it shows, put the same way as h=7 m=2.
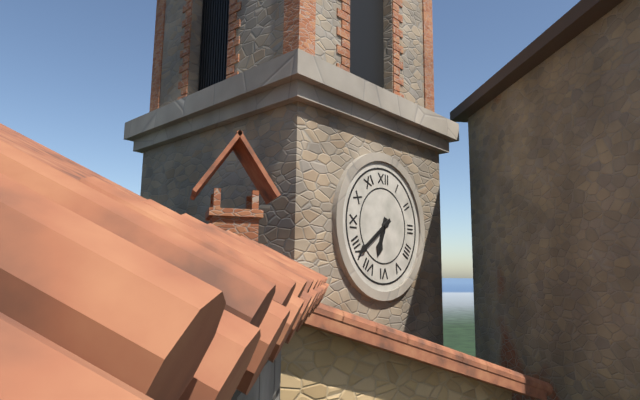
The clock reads h=6 m=39
